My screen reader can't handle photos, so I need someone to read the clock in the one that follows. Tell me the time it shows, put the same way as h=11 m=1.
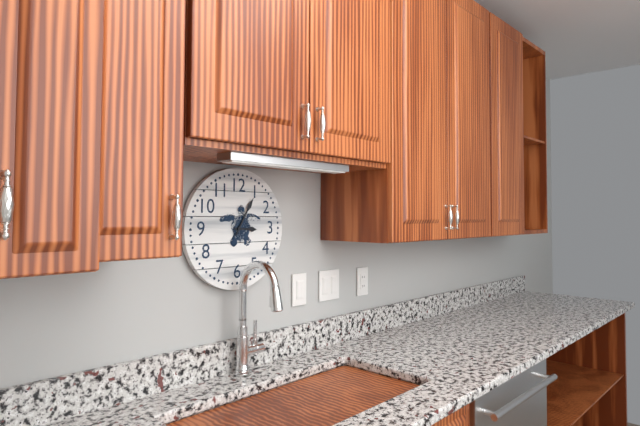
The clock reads h=3 m=5
